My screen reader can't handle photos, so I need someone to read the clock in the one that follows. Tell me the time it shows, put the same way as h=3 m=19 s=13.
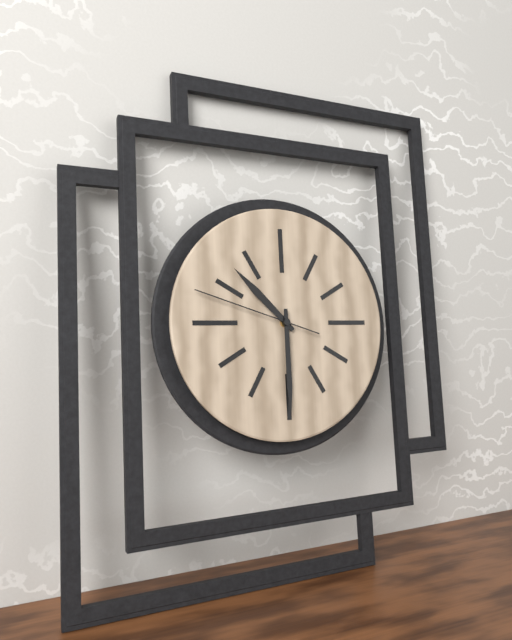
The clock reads h=10 m=30 s=48
